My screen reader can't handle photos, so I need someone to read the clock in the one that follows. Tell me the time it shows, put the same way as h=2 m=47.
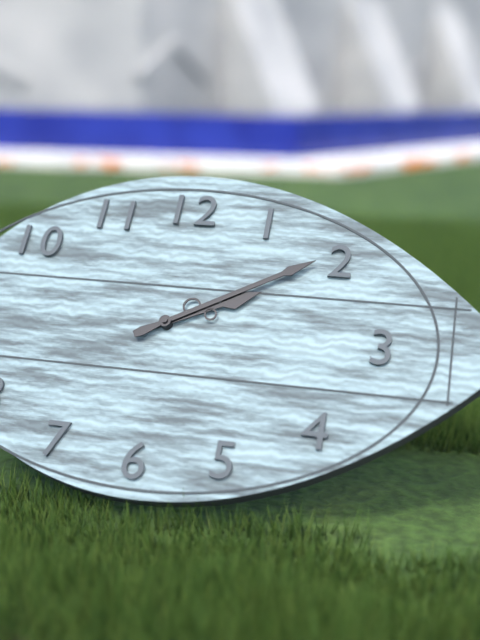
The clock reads h=2 m=10
